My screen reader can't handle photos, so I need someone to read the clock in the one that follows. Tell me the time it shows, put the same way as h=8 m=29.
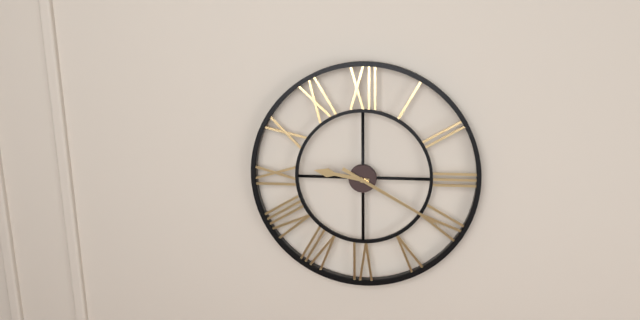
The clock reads h=9 m=20
